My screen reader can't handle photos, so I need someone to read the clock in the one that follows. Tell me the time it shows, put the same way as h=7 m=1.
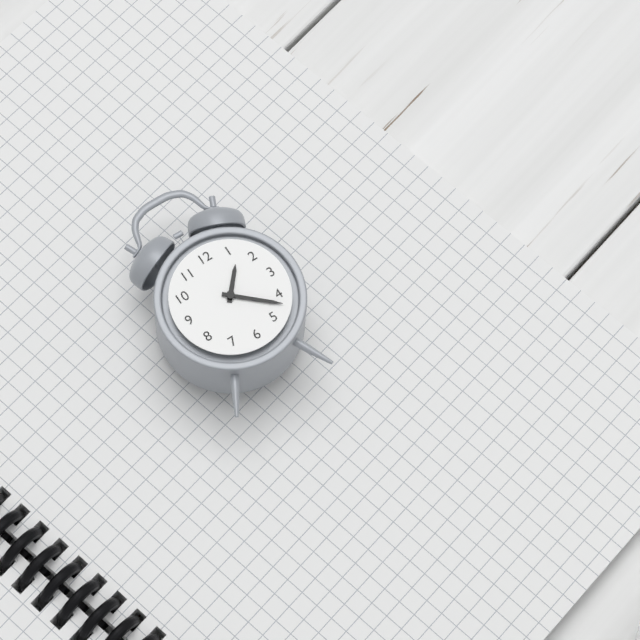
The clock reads h=1 m=22
